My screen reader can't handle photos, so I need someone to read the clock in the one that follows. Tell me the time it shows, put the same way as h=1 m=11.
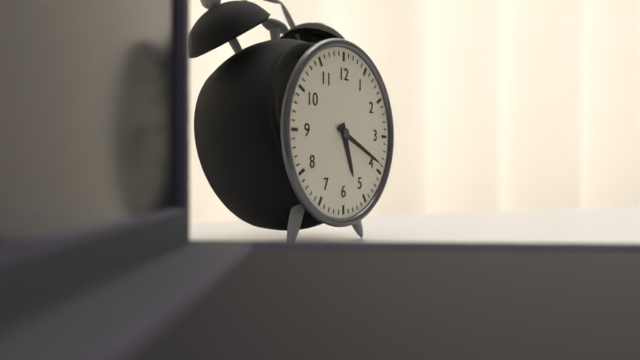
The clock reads h=5 m=19
